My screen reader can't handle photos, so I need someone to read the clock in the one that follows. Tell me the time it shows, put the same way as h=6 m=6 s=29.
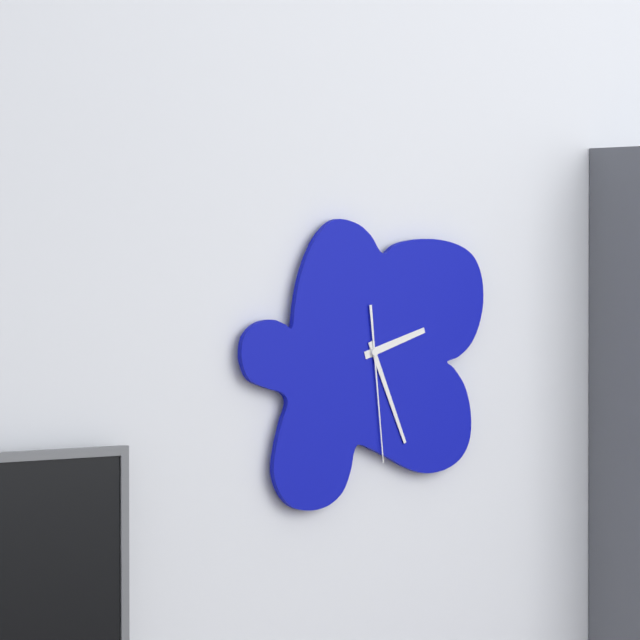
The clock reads h=2 m=26 s=29
